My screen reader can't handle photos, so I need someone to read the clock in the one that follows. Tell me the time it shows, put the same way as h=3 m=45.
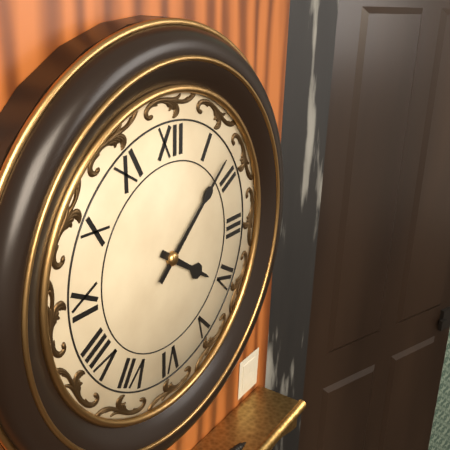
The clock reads h=4 m=8
